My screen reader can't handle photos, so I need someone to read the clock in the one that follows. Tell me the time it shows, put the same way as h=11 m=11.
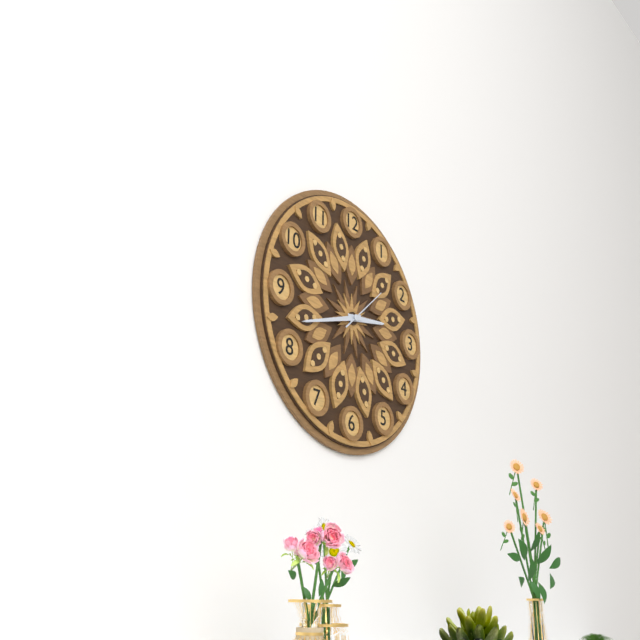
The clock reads h=2 m=42
